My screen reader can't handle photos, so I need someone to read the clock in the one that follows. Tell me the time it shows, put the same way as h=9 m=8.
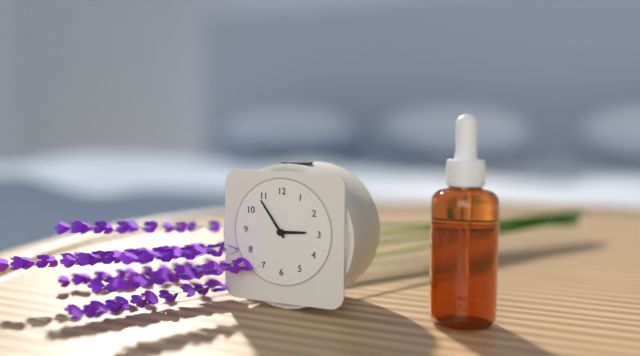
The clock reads h=2 m=54
